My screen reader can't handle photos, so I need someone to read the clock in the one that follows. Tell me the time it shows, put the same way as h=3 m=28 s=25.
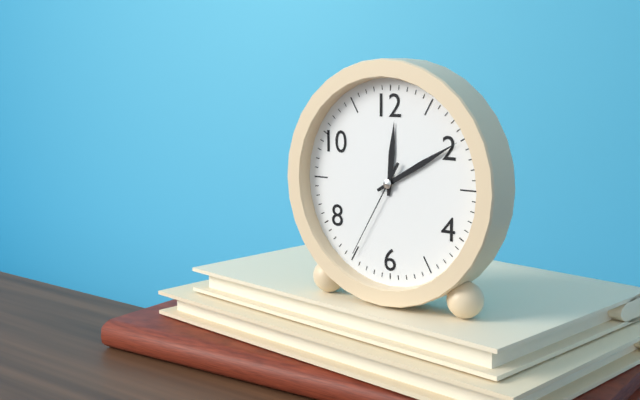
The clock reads h=12 m=10 s=35
